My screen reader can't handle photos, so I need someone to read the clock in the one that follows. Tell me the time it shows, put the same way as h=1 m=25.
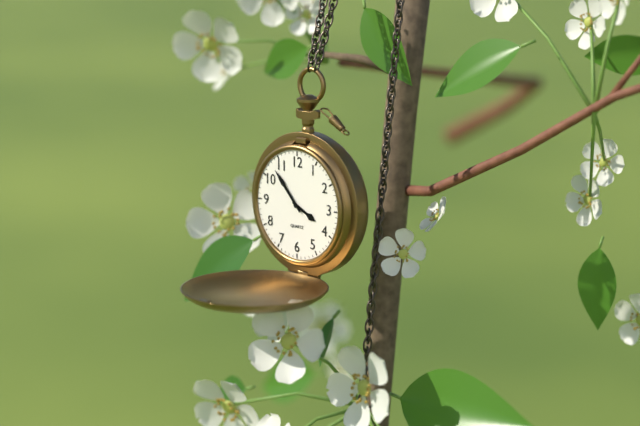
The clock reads h=3 m=53
